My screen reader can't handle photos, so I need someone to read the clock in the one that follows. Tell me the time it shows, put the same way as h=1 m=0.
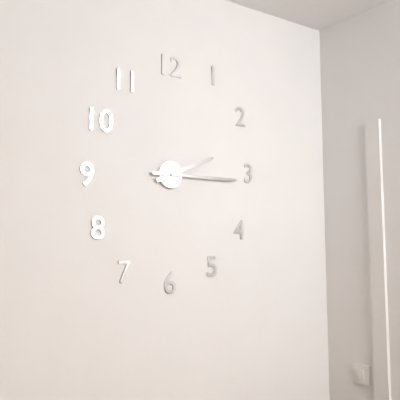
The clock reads h=2 m=15
